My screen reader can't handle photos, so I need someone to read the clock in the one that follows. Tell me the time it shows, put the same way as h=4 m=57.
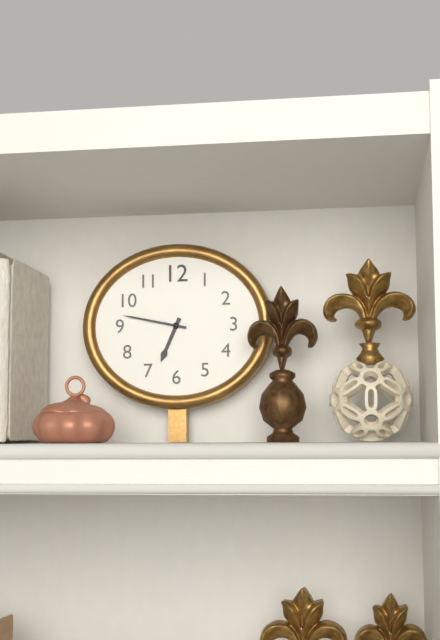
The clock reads h=6 m=47
